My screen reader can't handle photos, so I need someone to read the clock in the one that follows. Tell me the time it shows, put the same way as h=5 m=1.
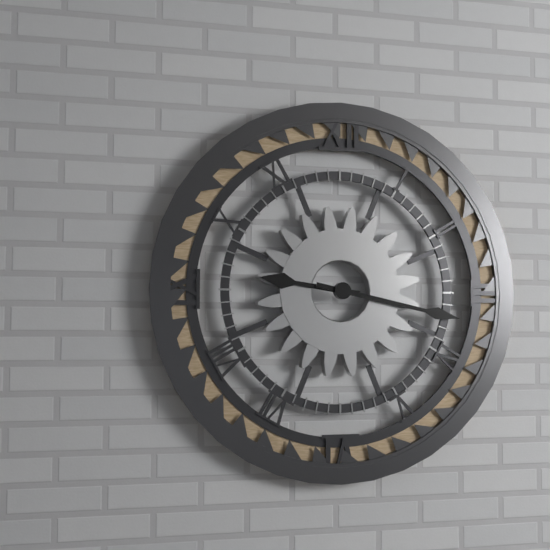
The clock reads h=9 m=17
